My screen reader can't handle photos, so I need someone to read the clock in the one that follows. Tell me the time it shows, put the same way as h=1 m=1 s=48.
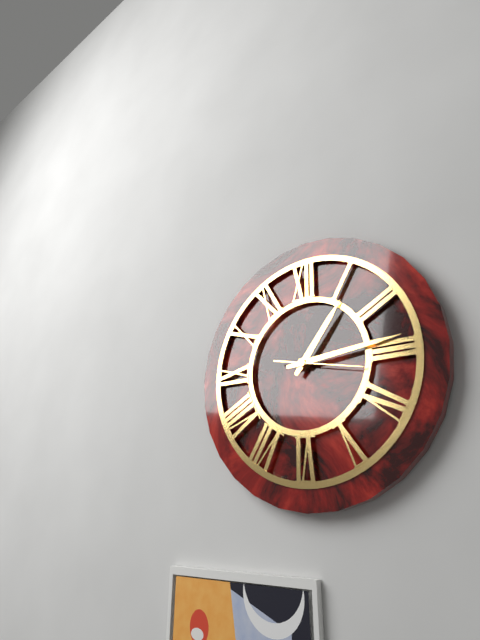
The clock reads h=1 m=14 s=17
